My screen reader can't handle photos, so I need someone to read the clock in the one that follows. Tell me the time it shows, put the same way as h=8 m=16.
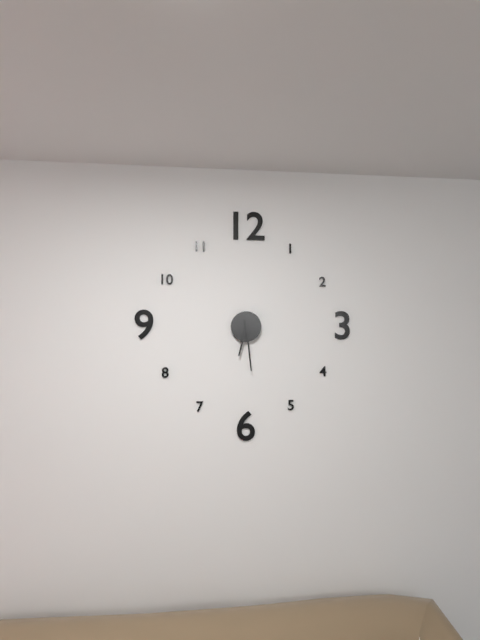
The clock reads h=6 m=29
